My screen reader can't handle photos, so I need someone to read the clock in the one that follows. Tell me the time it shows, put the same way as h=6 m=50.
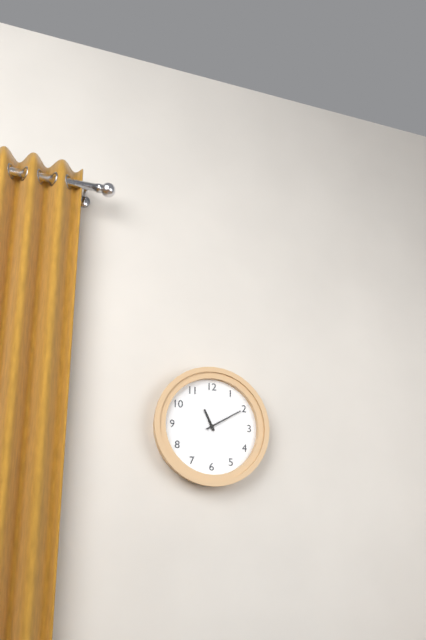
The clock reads h=11 m=10
